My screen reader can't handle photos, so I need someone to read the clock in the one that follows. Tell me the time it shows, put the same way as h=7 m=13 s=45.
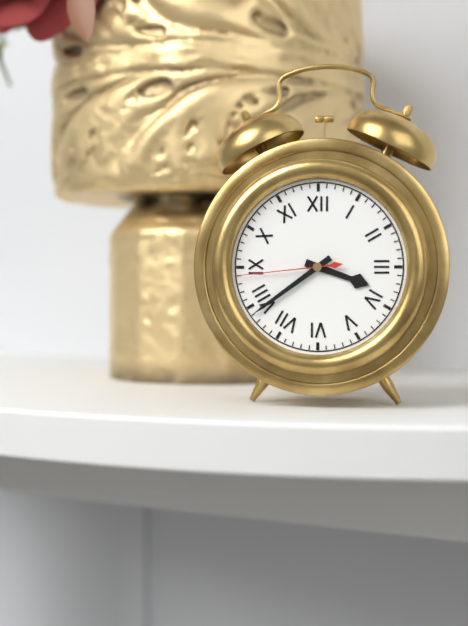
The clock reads h=3 m=39 s=44
